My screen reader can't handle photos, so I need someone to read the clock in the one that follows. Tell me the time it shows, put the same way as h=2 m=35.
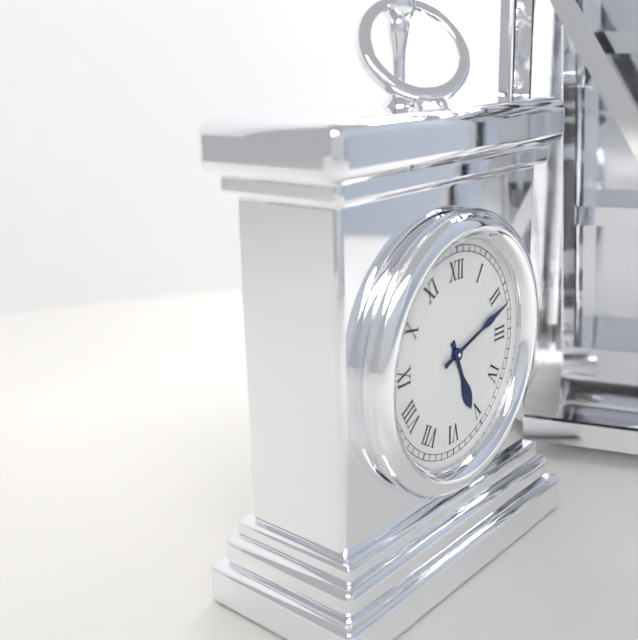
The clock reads h=5 m=12
